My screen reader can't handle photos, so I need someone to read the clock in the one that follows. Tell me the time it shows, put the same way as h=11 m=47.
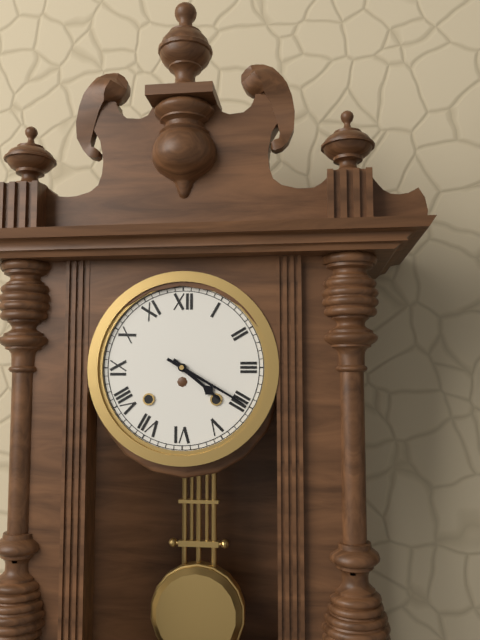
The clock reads h=4 m=20
